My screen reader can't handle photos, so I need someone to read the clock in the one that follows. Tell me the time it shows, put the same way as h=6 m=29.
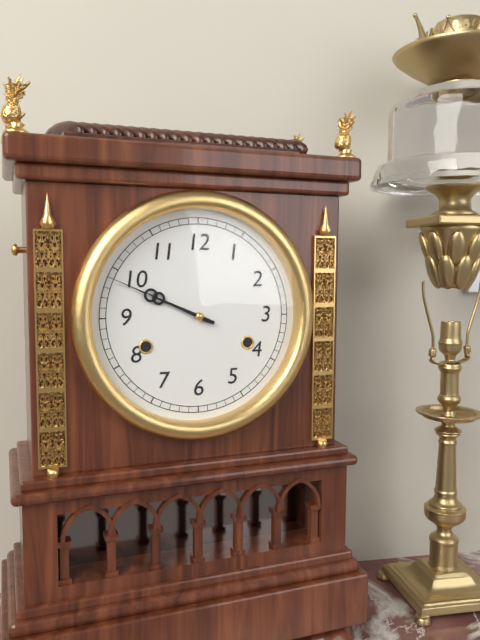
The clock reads h=9 m=49
